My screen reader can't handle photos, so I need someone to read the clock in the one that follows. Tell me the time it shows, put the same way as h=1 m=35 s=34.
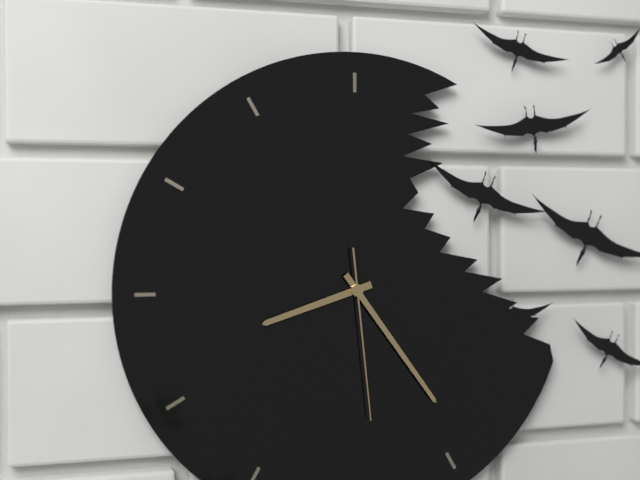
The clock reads h=8 m=24 s=29
